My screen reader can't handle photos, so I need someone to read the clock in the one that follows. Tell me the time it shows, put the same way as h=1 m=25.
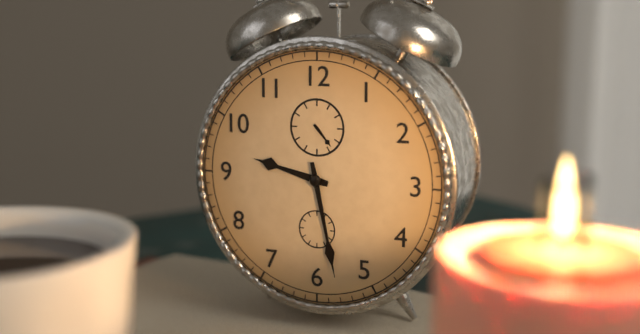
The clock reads h=9 m=28
